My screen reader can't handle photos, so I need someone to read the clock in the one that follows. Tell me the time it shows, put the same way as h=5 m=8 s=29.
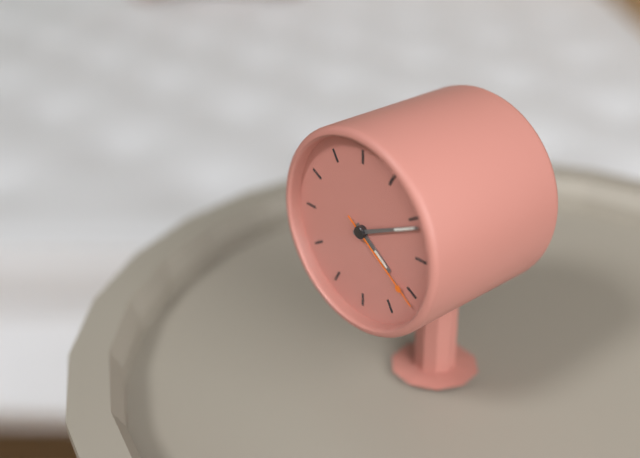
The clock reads h=4 m=11 s=21
